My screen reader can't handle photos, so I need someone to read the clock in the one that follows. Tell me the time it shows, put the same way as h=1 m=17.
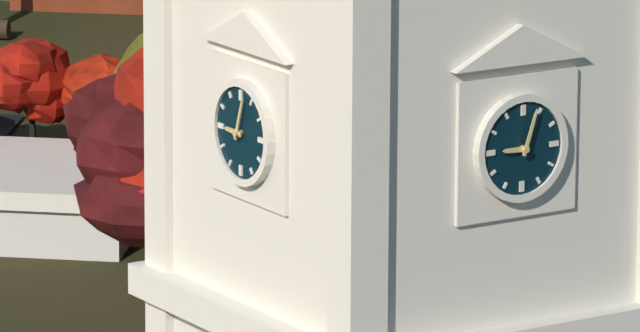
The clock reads h=9 m=3
